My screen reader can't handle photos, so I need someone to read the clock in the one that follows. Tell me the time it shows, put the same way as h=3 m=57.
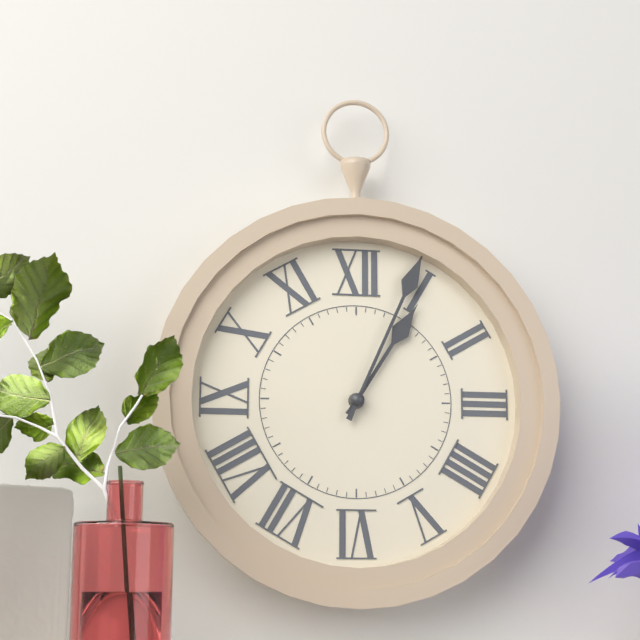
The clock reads h=1 m=4
